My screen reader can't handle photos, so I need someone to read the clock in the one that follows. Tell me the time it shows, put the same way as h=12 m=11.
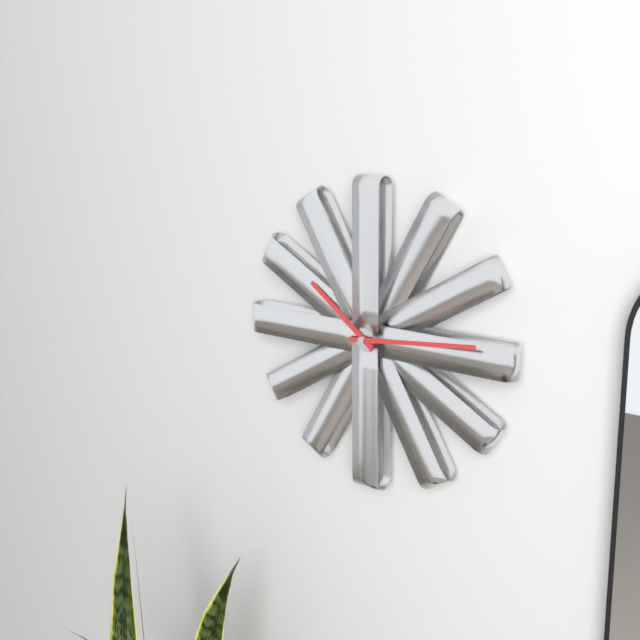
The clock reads h=10 m=14
